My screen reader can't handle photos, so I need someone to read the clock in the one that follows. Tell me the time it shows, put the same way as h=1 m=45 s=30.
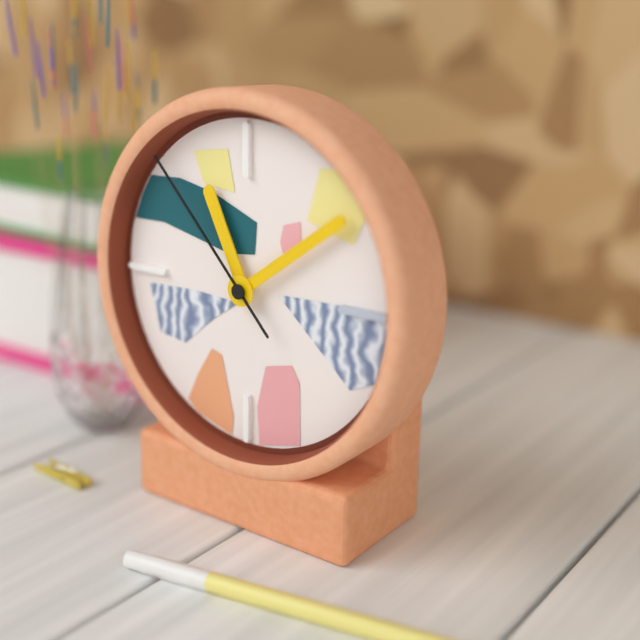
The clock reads h=11 m=9 s=53
